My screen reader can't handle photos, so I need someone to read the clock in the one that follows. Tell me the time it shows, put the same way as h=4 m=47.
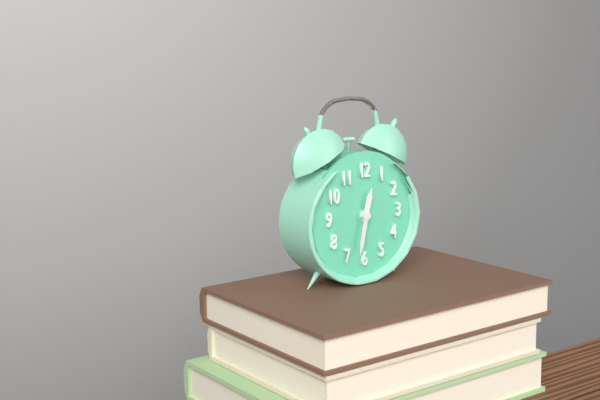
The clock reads h=12 m=32
